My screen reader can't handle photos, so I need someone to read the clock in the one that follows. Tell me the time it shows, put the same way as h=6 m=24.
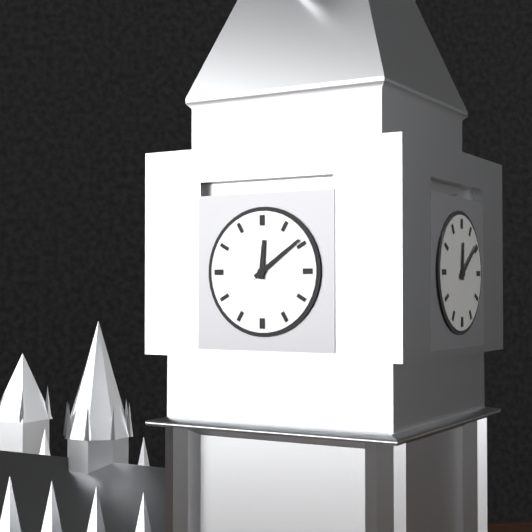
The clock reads h=12 m=9
